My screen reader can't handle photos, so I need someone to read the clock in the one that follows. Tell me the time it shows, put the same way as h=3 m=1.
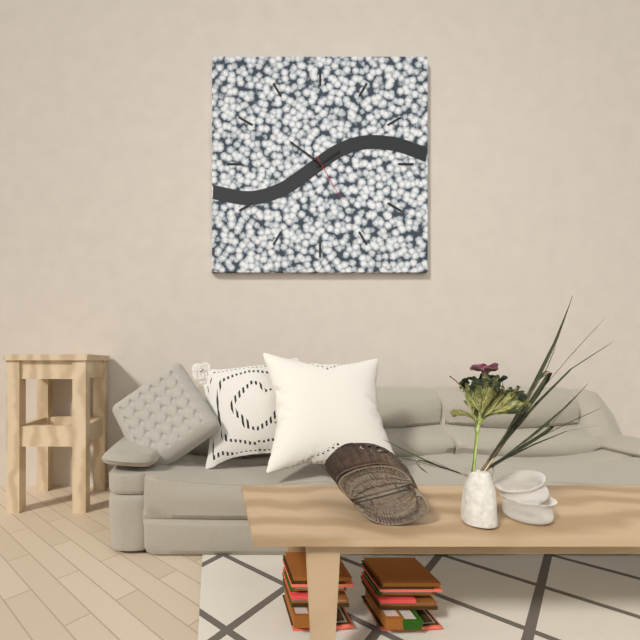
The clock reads h=1 m=51
